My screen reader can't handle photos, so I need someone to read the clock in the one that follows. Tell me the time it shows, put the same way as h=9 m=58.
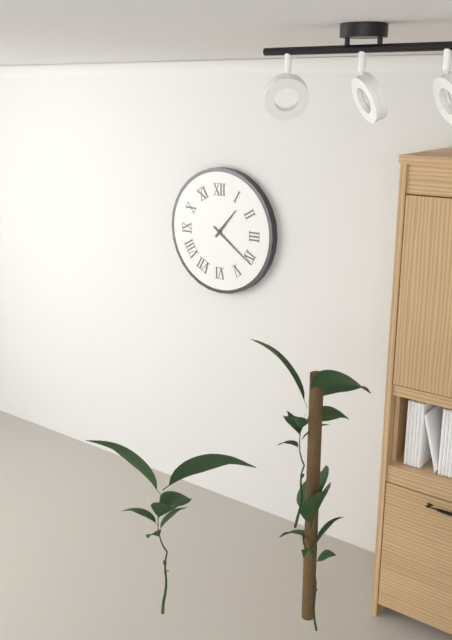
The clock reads h=1 m=21
